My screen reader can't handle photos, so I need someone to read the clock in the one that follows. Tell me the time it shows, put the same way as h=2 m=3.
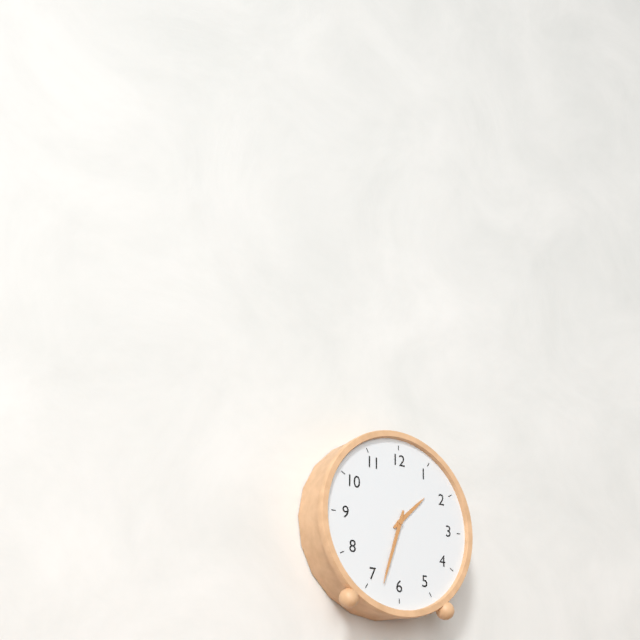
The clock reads h=1 m=33
